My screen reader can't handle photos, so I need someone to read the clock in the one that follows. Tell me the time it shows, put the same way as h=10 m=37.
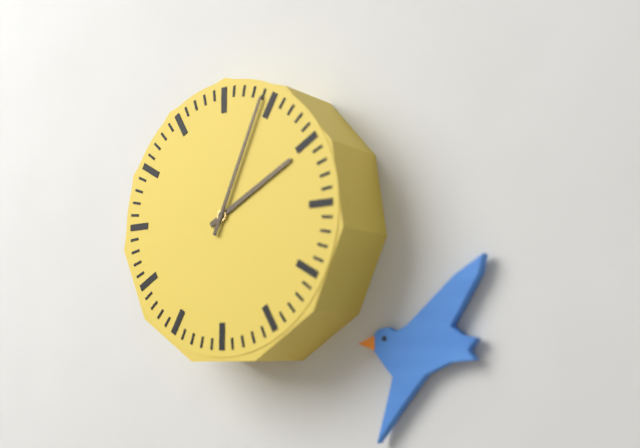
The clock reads h=2 m=4
